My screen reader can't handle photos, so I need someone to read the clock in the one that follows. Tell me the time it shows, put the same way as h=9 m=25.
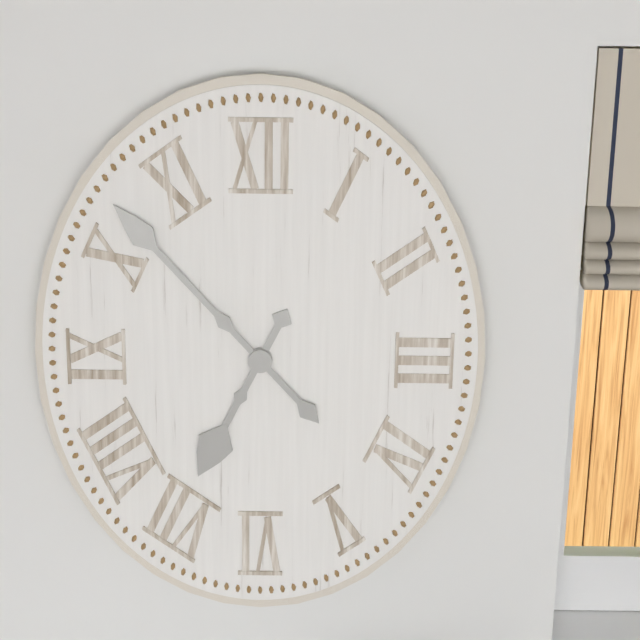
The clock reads h=6 m=53
